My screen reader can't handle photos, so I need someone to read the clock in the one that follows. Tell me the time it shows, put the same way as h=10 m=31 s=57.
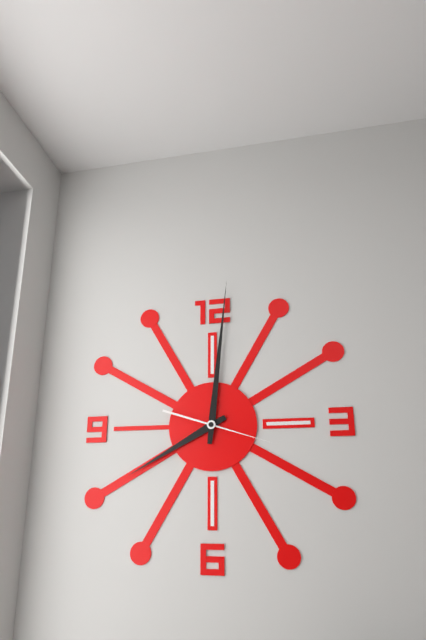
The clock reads h=8 m=1 s=18
